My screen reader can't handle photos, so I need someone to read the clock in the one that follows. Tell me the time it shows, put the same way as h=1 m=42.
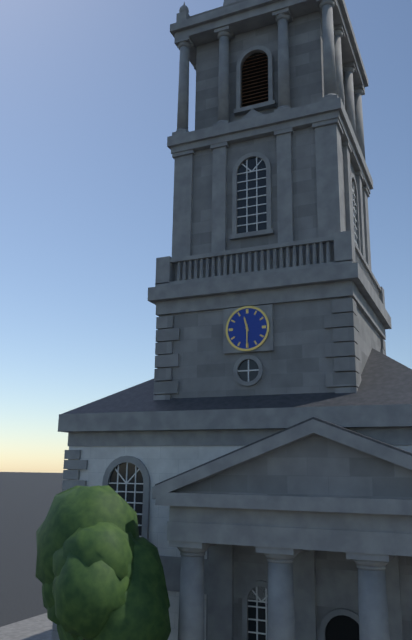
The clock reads h=11 m=30
